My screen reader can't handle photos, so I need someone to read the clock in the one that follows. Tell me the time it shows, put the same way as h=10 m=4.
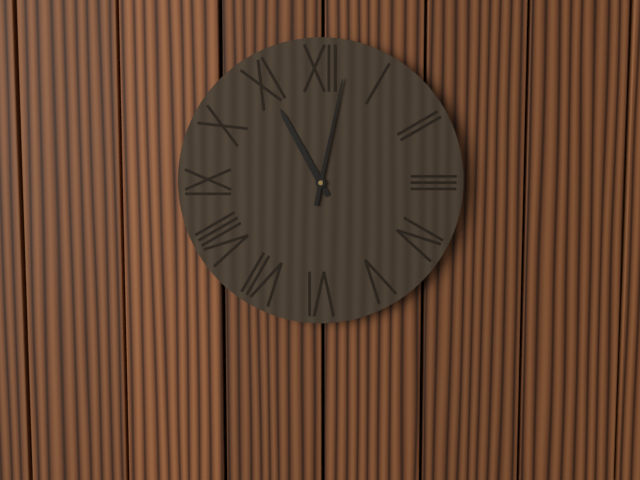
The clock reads h=11 m=2
